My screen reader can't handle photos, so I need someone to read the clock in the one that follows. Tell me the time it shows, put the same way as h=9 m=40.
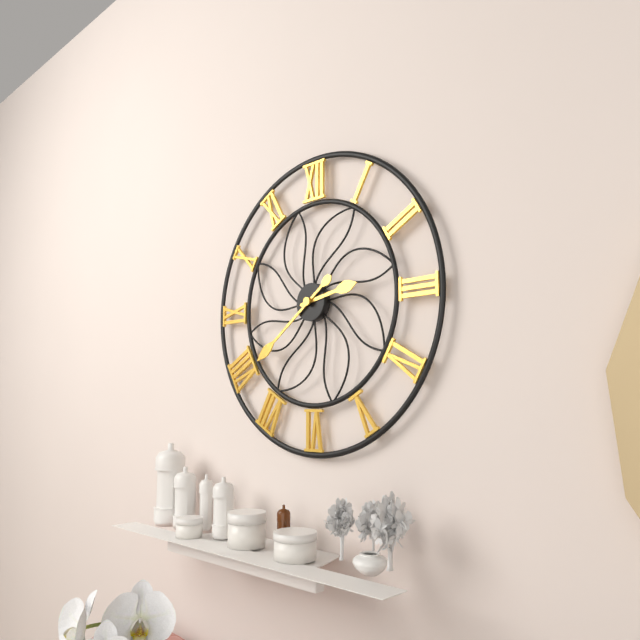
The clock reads h=2 m=39
